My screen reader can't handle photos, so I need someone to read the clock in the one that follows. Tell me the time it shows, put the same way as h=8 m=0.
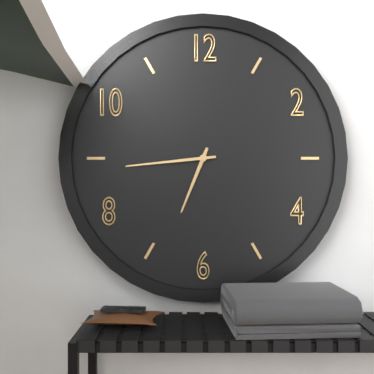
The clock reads h=6 m=44
